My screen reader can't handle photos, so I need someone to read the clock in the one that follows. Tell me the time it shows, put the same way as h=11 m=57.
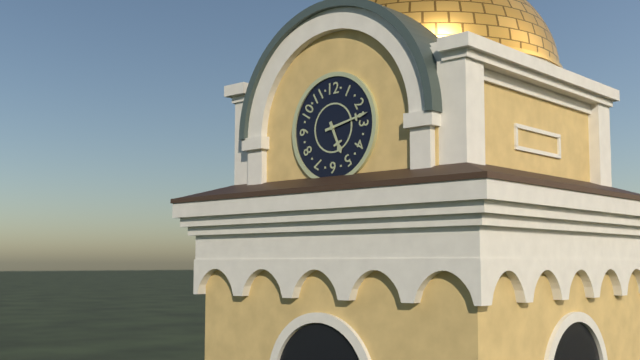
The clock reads h=5 m=13
